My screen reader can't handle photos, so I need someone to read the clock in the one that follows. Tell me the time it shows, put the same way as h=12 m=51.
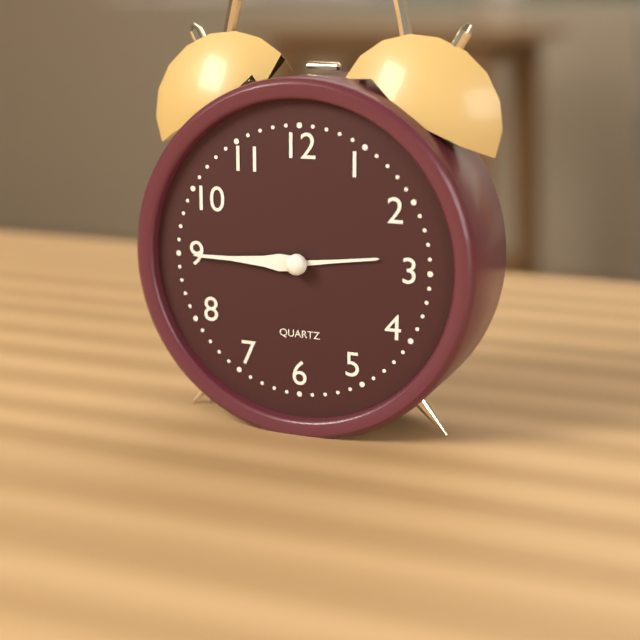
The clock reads h=2 m=45
